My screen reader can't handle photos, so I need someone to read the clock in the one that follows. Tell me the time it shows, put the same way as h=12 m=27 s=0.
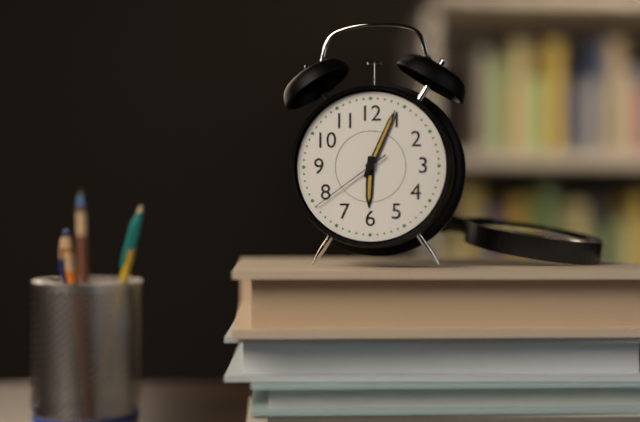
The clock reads h=6 m=4 s=39
